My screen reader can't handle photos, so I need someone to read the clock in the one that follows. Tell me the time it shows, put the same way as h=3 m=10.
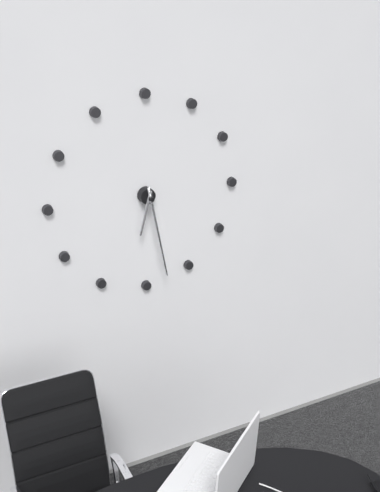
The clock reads h=6 m=28
